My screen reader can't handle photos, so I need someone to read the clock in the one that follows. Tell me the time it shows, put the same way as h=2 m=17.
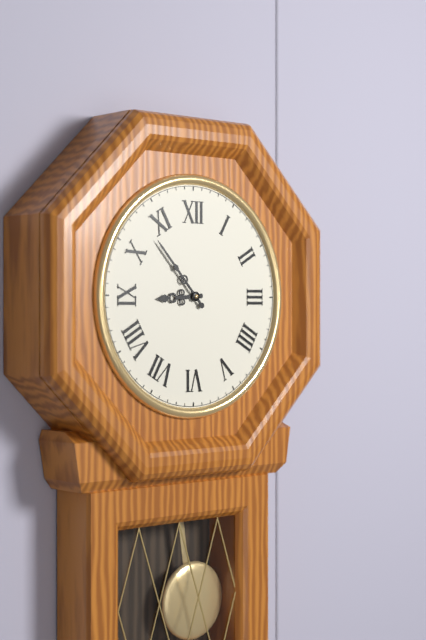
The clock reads h=8 m=53
